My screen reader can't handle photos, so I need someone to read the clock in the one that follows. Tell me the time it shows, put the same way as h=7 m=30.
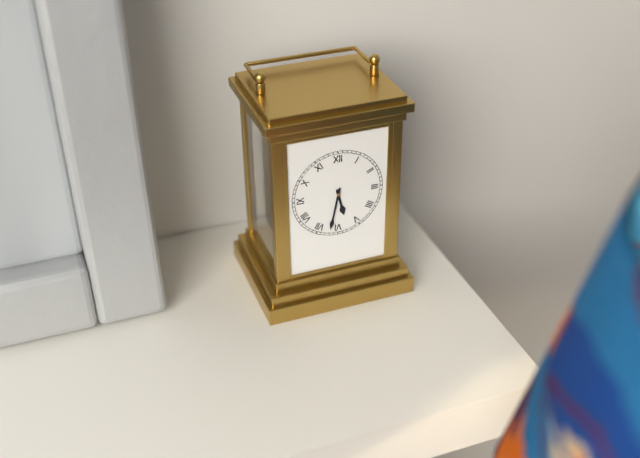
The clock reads h=5 m=32
